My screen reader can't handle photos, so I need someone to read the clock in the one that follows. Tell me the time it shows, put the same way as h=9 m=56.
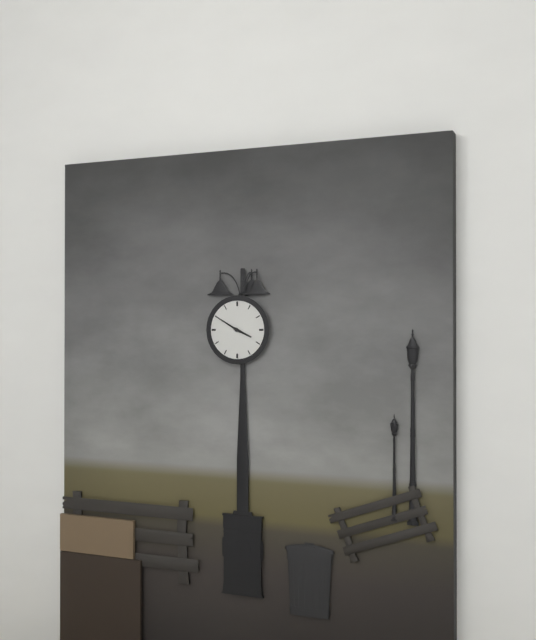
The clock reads h=3 m=50
